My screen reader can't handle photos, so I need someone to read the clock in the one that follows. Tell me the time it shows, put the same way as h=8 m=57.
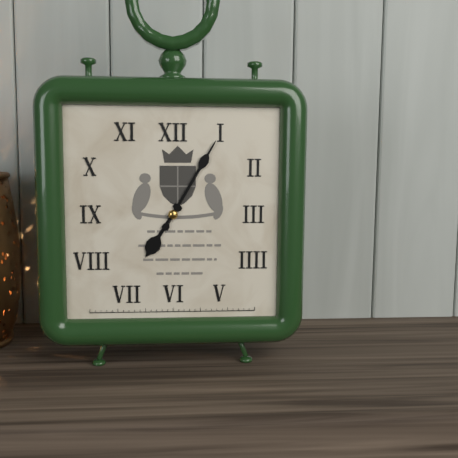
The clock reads h=7 m=5
